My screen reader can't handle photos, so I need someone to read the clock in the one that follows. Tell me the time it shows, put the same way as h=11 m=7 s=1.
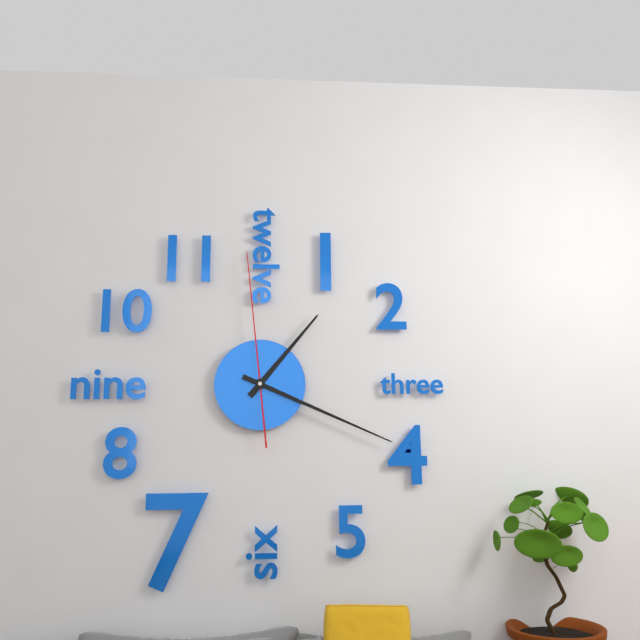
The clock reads h=1 m=19 s=59
